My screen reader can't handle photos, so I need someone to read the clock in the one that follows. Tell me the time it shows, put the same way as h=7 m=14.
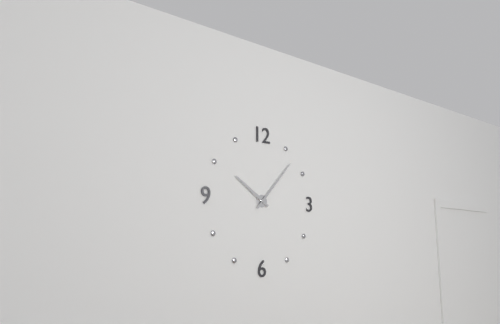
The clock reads h=10 m=7
